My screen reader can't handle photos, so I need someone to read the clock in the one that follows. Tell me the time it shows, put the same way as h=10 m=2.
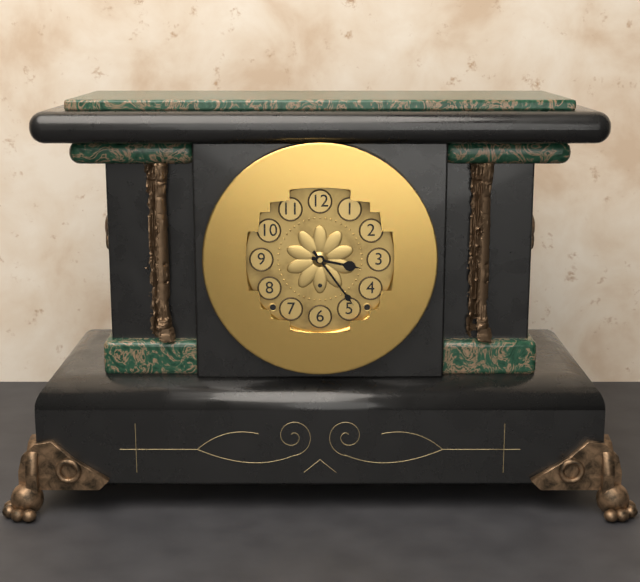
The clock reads h=3 m=24
